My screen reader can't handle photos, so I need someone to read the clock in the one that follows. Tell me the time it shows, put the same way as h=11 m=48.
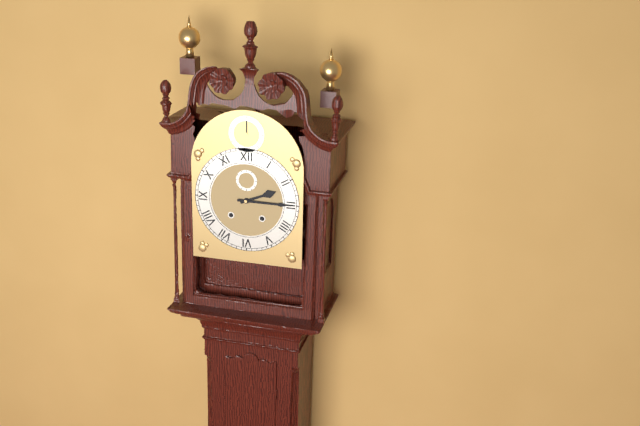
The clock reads h=2 m=15
